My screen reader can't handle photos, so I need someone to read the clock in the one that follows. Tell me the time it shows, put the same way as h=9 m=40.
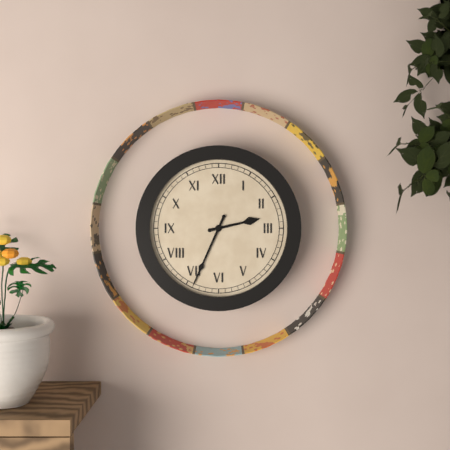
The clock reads h=2 m=34
